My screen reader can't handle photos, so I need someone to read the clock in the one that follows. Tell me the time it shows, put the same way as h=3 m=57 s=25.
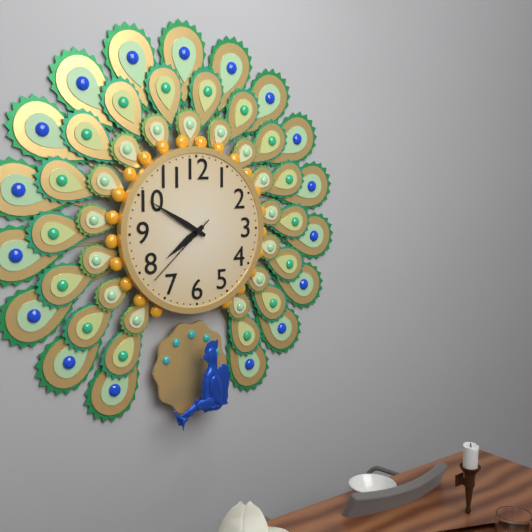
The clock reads h=7 m=50 s=38
